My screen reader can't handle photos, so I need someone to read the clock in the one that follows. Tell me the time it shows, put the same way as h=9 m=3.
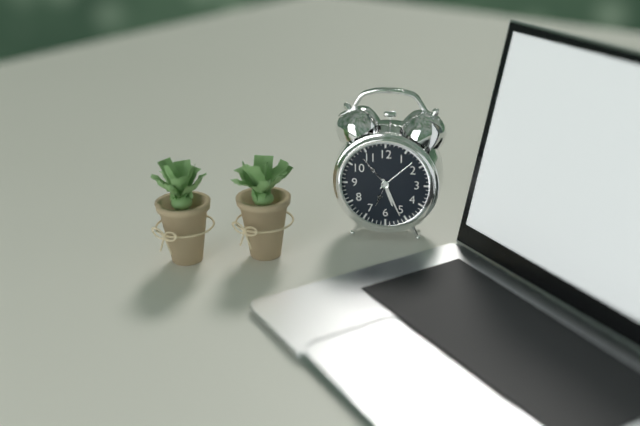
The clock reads h=5 m=26
